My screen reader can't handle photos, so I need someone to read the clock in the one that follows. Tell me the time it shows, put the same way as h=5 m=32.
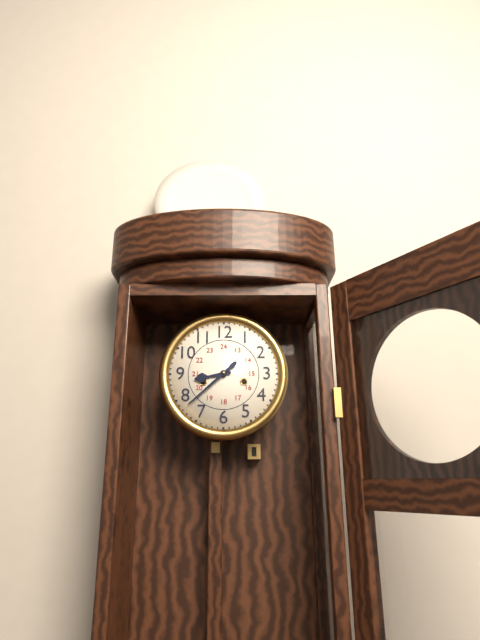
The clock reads h=8 m=38
